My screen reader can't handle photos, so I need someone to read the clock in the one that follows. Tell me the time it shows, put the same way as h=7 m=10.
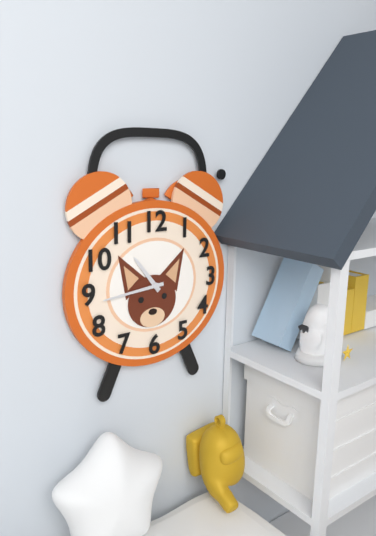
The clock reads h=10 m=44
